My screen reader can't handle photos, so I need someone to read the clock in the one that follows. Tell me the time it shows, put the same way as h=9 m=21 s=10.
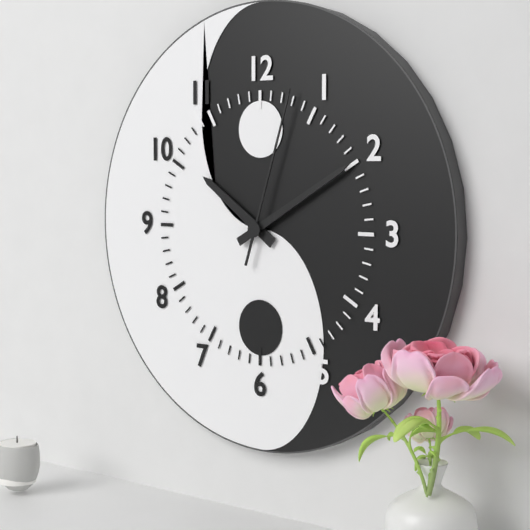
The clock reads h=10 m=10 s=3
